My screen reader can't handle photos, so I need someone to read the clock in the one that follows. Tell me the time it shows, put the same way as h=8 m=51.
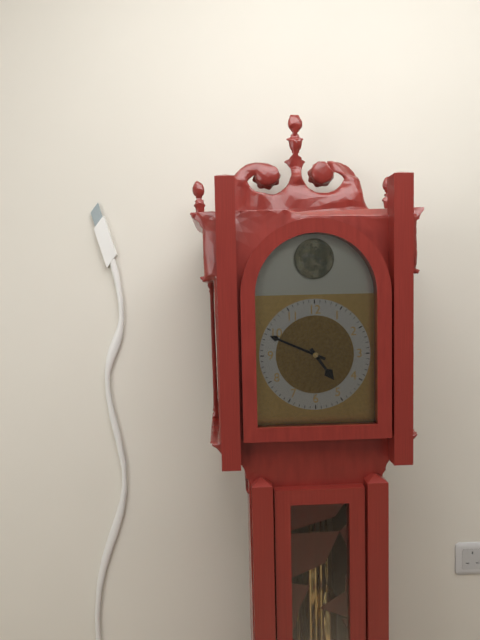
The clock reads h=4 m=49
